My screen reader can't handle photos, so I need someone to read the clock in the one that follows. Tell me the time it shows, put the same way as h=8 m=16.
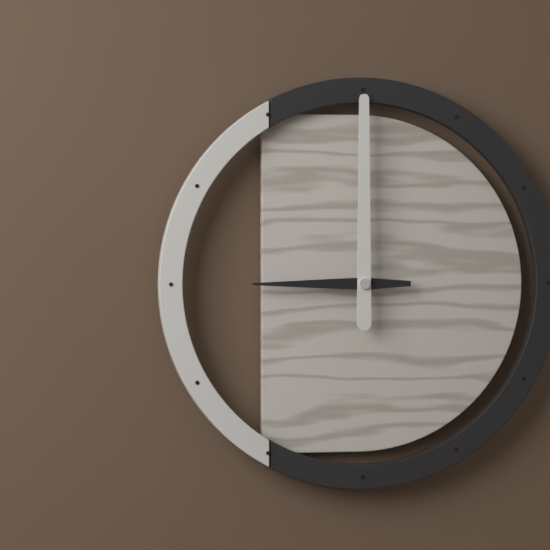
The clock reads h=9 m=0
